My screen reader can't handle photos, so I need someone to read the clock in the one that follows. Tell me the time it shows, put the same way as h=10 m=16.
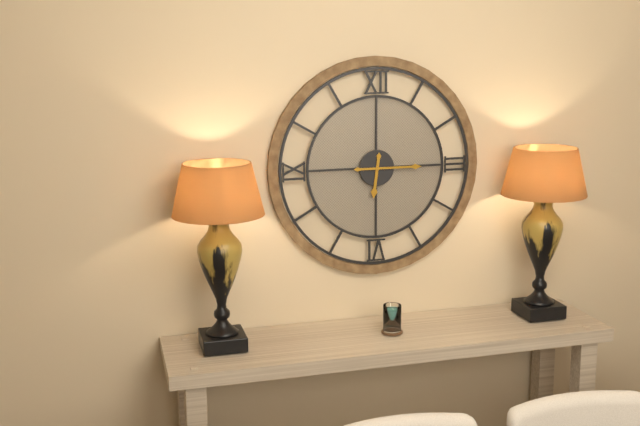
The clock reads h=6 m=15
